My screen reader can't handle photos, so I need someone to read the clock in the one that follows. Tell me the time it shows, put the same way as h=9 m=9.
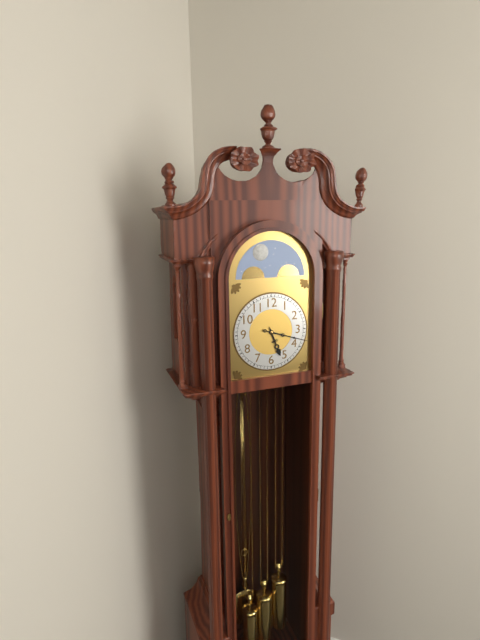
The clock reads h=5 m=18
